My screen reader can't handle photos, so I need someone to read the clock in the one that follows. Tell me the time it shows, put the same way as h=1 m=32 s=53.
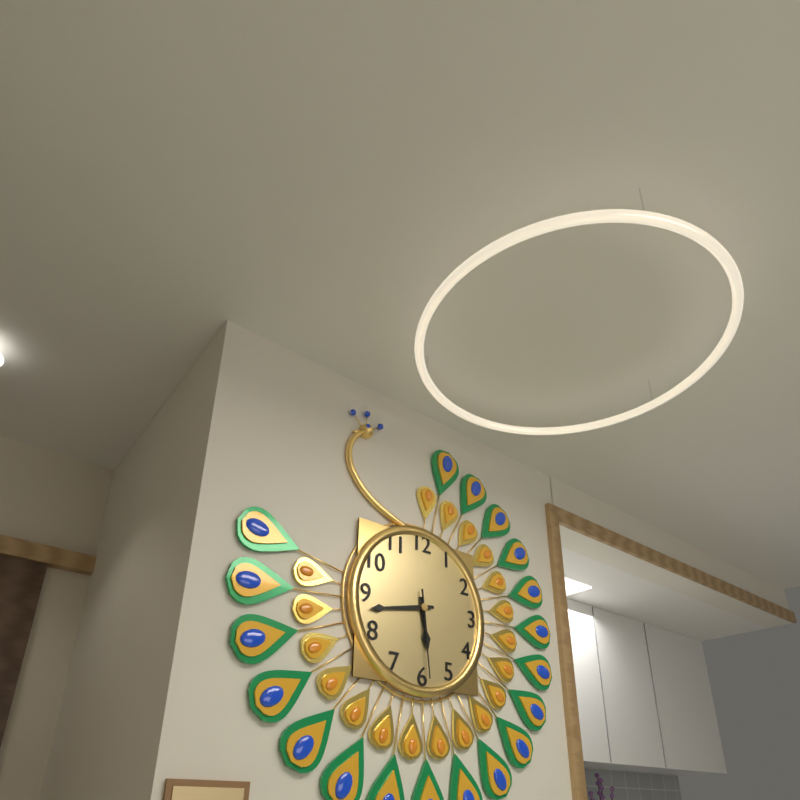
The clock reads h=5 m=43 s=29
